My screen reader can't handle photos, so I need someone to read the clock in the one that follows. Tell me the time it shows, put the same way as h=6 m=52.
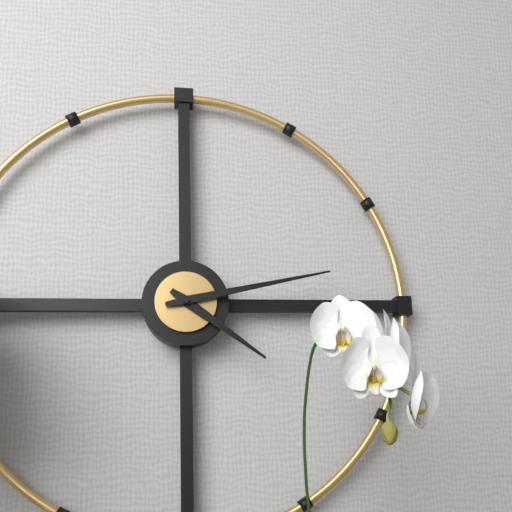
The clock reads h=4 m=13
